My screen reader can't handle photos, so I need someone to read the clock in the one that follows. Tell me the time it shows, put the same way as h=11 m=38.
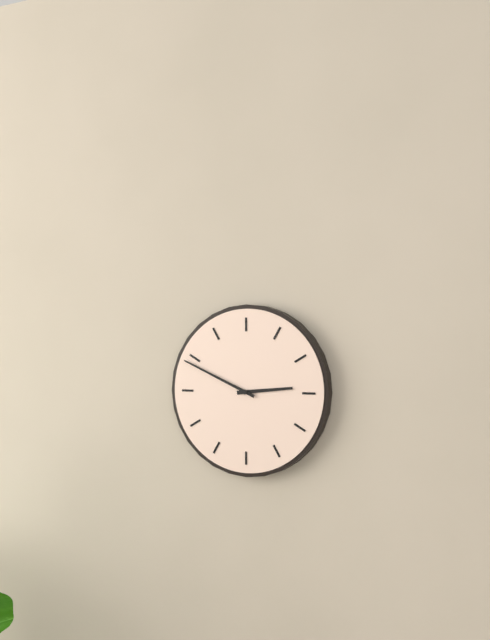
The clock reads h=2 m=49
